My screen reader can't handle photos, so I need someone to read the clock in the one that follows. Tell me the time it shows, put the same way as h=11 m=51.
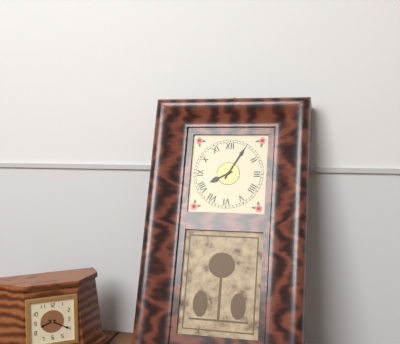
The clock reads h=8 m=5
